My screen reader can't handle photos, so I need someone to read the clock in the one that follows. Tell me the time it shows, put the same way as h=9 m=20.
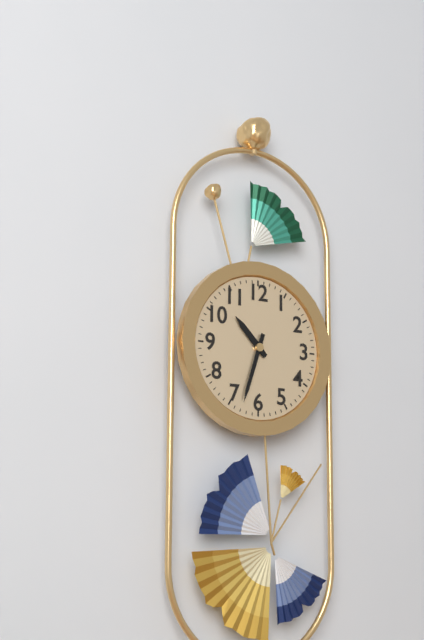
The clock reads h=10 m=33
